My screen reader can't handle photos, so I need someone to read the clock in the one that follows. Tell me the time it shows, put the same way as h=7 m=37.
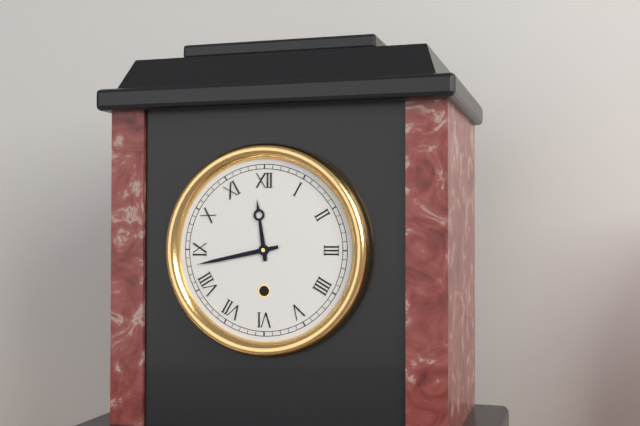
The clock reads h=11 m=43
